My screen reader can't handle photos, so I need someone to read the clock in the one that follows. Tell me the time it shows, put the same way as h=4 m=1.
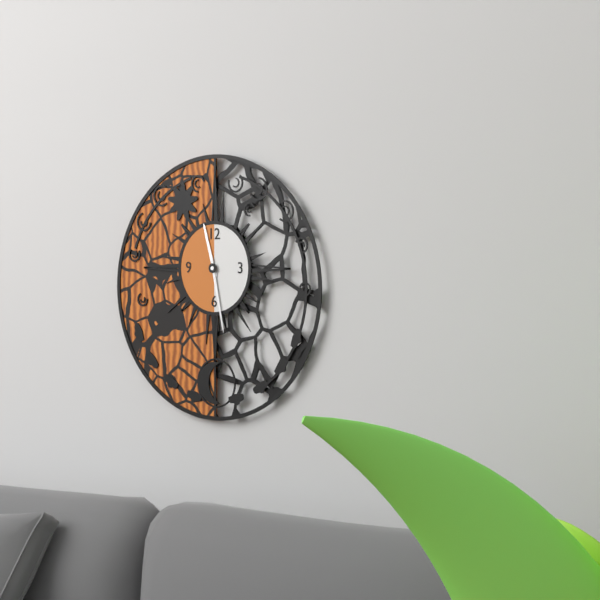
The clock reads h=11 m=28
